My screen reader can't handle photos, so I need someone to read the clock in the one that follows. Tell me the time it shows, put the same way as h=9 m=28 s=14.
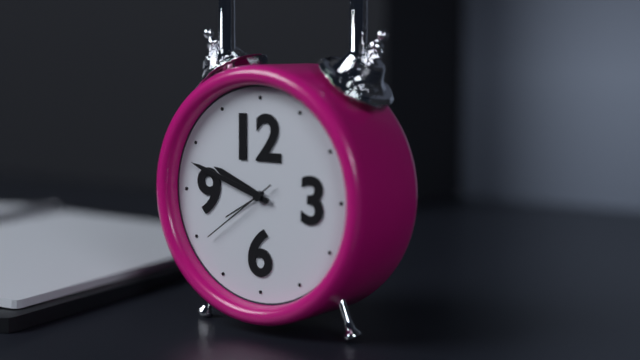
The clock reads h=9 m=48 s=39
